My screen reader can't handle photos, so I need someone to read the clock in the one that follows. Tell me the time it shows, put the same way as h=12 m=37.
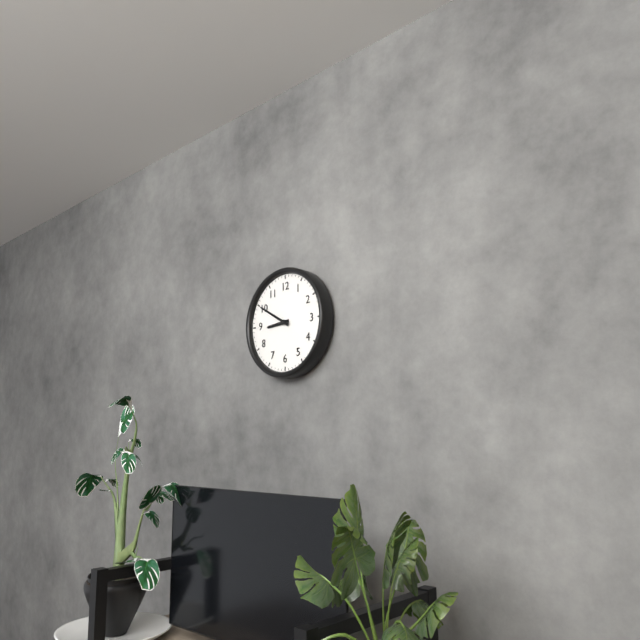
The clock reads h=8 m=50
